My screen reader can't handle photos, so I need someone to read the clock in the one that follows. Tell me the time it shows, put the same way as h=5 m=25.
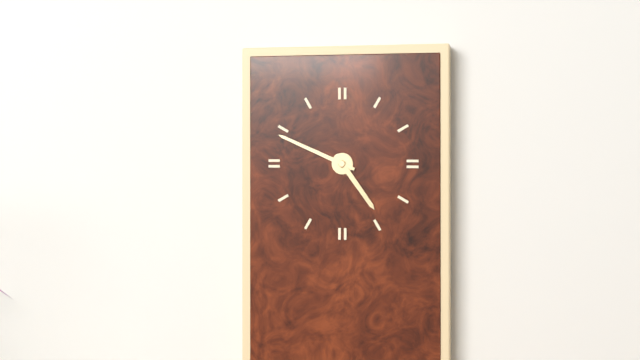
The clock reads h=4 m=49
